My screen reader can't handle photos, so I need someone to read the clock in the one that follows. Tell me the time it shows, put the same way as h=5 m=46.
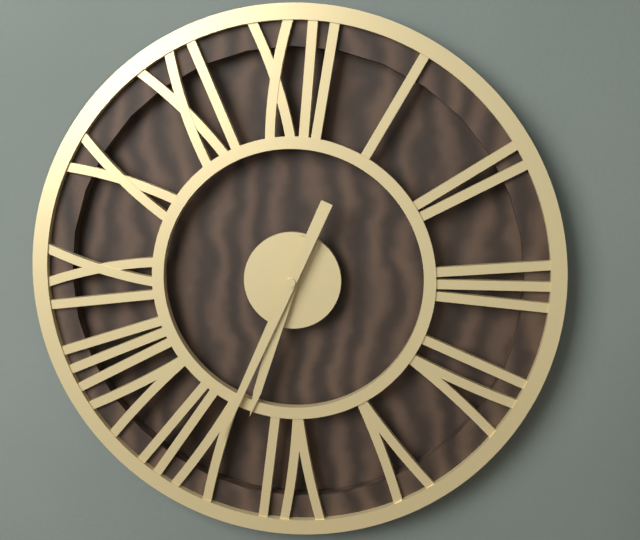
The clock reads h=6 m=34
